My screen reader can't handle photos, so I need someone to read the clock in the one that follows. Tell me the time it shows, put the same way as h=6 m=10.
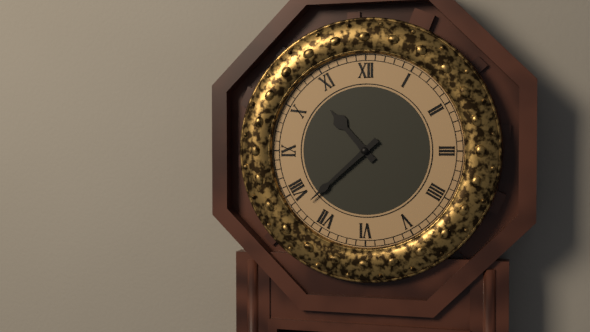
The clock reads h=10 m=38
